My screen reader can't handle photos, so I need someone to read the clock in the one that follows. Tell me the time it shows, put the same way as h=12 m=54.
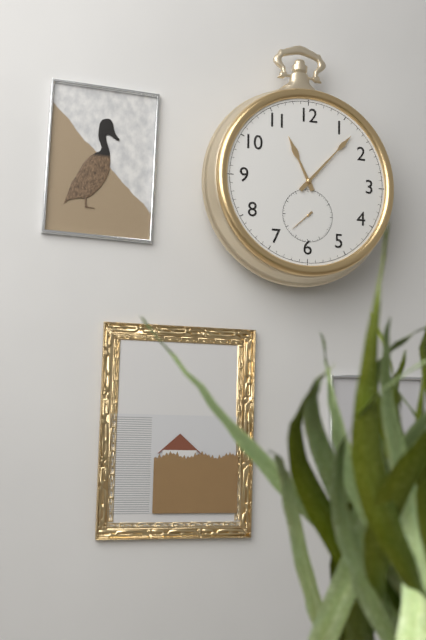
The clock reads h=11 m=7
